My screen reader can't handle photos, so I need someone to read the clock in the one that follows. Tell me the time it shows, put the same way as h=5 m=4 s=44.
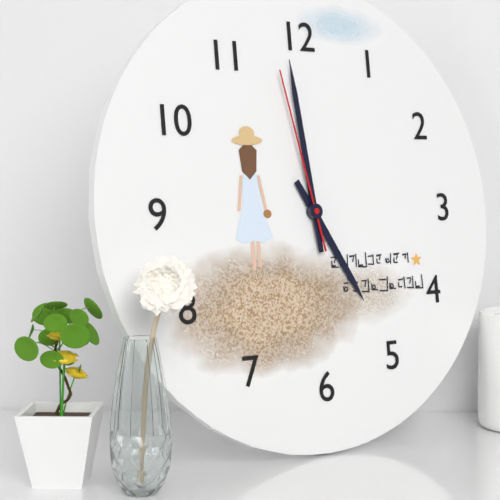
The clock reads h=4 m=59 s=58
